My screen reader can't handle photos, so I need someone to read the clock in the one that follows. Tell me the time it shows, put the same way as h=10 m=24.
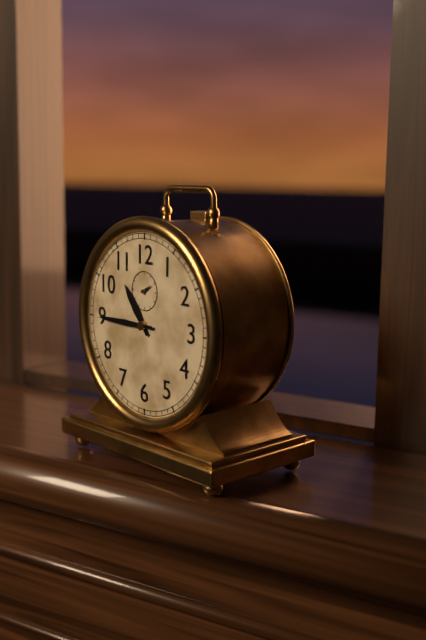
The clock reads h=10 m=45
